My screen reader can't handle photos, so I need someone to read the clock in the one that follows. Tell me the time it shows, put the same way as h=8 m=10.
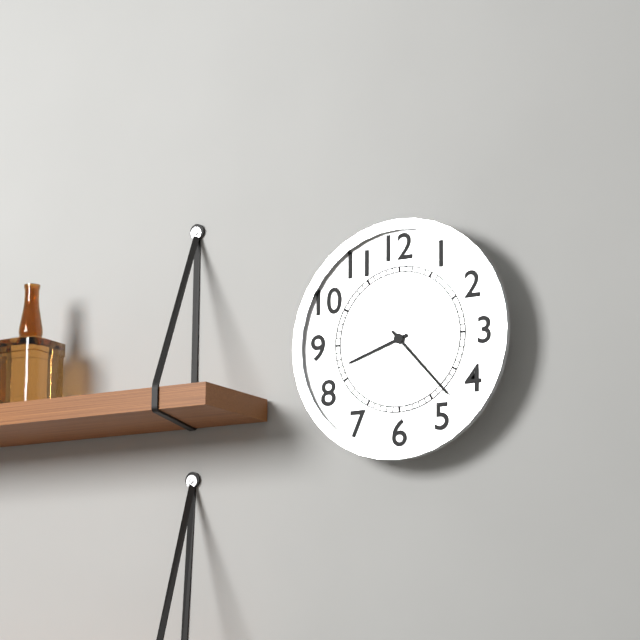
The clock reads h=8 m=23
